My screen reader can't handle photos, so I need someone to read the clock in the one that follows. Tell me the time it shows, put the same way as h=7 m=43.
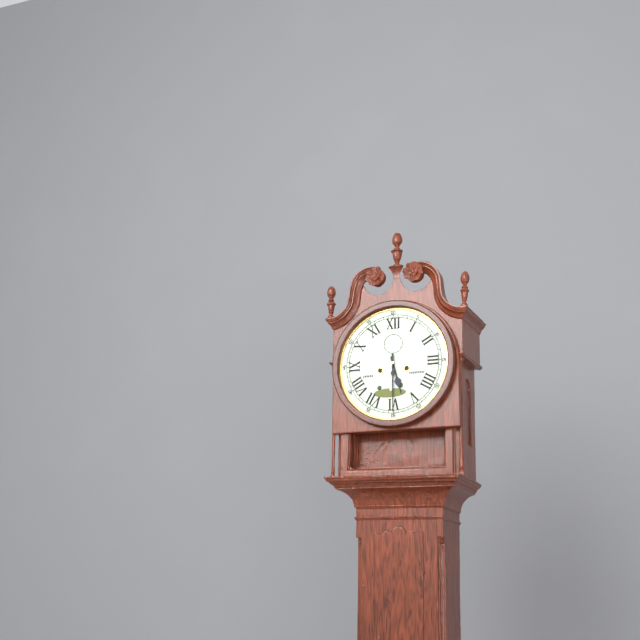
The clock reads h=5 m=30
